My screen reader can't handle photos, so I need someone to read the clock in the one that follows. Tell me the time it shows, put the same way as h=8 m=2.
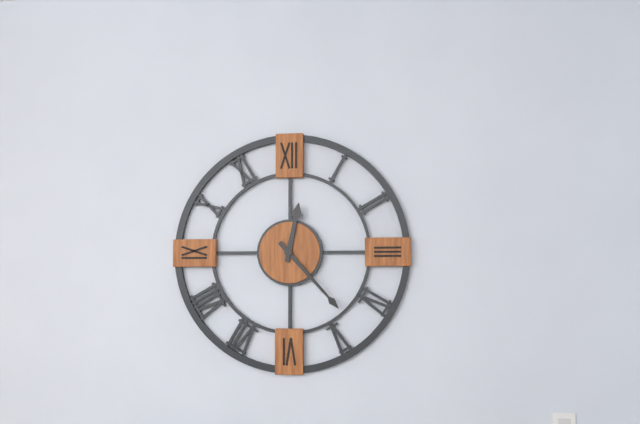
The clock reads h=12 m=23
